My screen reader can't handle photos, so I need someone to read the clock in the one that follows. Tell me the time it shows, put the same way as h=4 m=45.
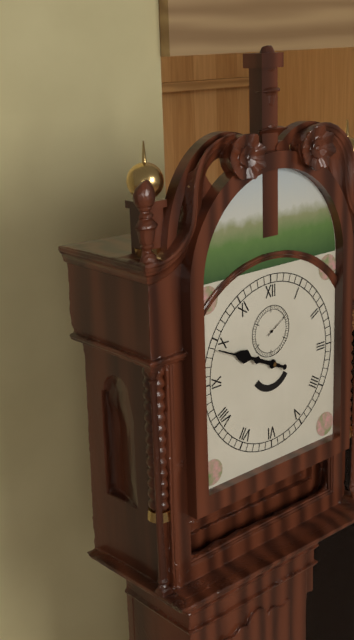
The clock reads h=9 m=49
